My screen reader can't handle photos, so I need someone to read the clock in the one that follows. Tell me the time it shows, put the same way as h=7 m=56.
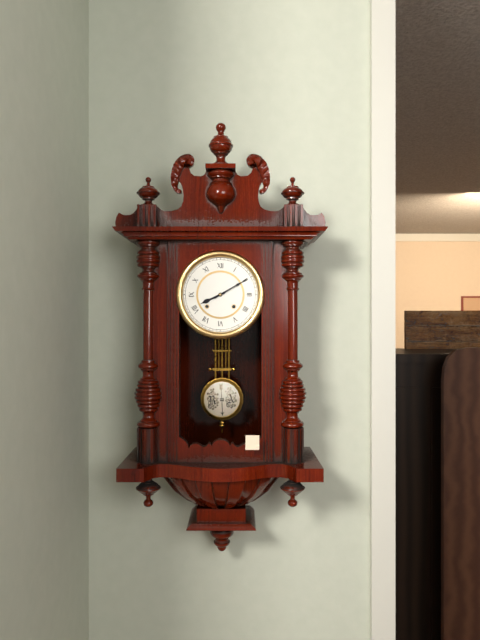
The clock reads h=8 m=10
